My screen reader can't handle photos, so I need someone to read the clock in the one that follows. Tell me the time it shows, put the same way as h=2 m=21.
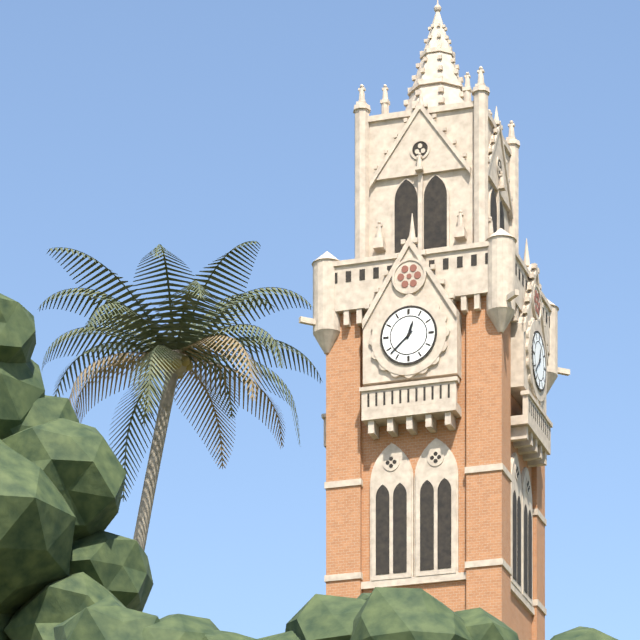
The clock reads h=12 m=38
